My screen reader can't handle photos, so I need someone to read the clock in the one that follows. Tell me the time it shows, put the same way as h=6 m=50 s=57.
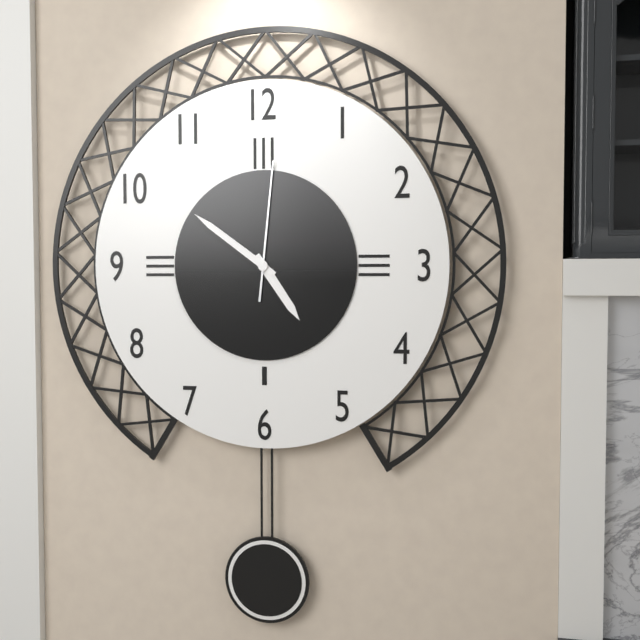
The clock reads h=4 m=51 s=1
